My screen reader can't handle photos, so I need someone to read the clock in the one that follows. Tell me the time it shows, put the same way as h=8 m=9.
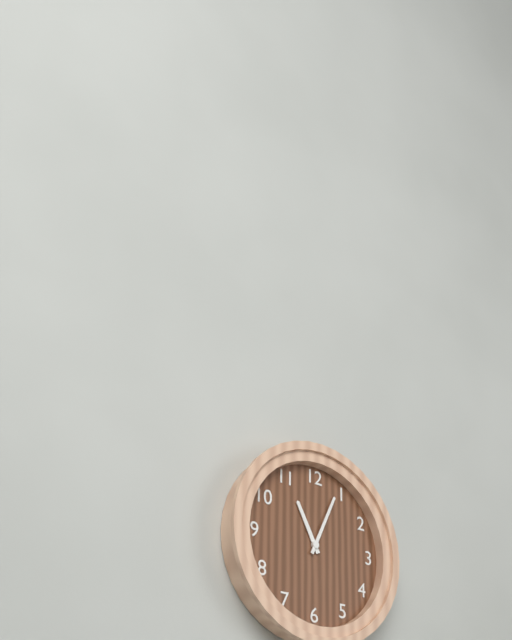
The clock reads h=11 m=4
